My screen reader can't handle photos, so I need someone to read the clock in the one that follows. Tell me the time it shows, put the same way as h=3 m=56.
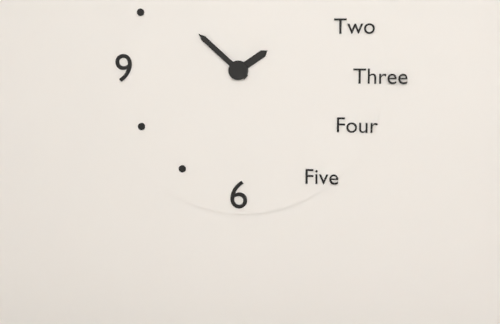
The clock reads h=1 m=52
